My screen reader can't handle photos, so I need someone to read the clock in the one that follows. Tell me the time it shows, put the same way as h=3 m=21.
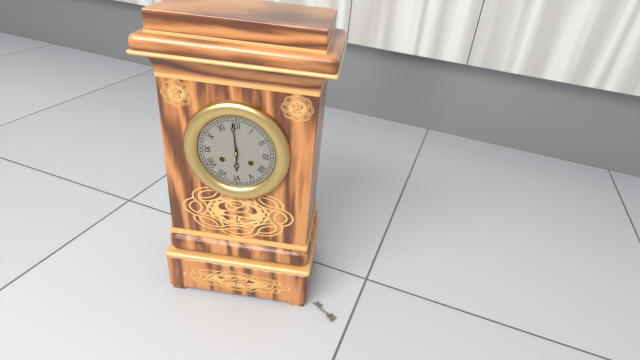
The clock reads h=5 m=59
